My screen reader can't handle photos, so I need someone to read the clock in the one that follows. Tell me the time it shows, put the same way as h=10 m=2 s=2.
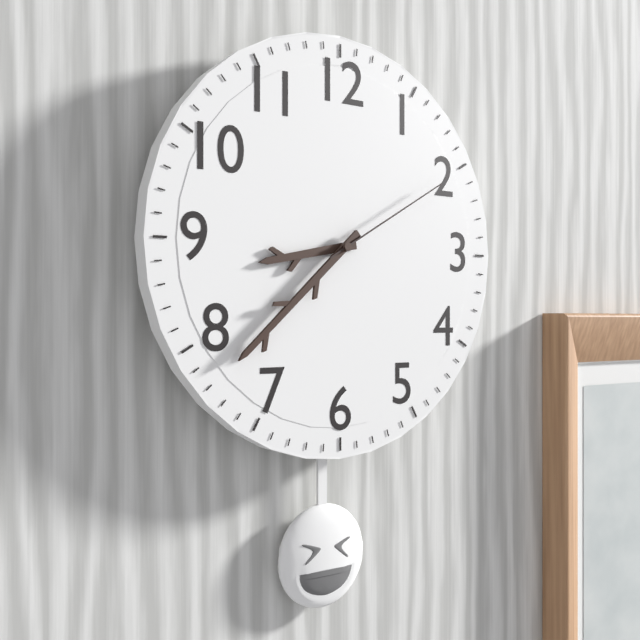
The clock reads h=8 m=38 s=10
